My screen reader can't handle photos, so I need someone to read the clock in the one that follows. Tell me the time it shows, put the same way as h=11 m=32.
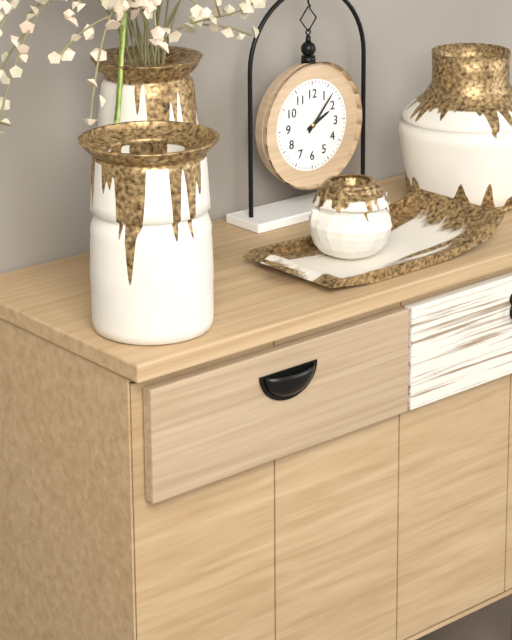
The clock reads h=2 m=7
